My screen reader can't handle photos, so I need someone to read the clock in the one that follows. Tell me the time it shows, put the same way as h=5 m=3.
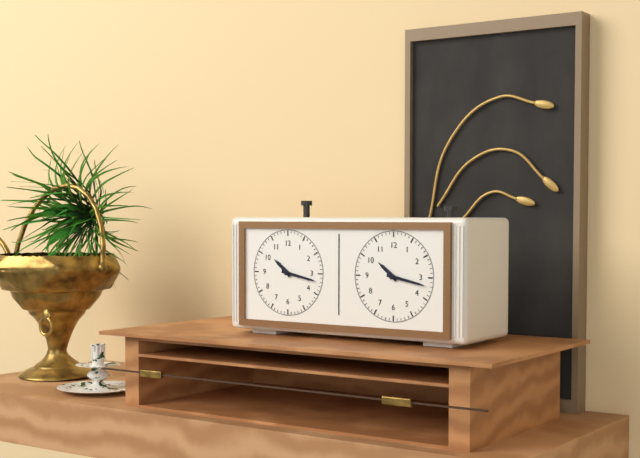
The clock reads h=10 m=17
